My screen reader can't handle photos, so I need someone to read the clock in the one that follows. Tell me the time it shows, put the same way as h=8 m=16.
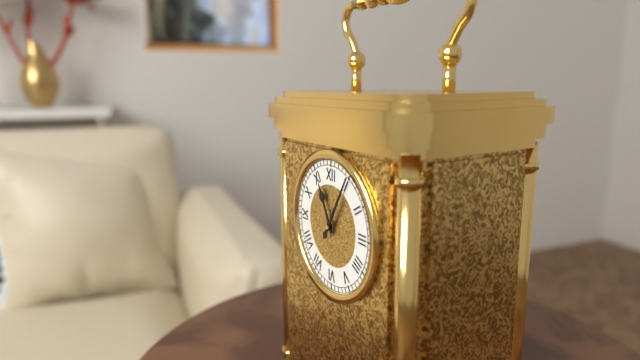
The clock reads h=11 m=5
